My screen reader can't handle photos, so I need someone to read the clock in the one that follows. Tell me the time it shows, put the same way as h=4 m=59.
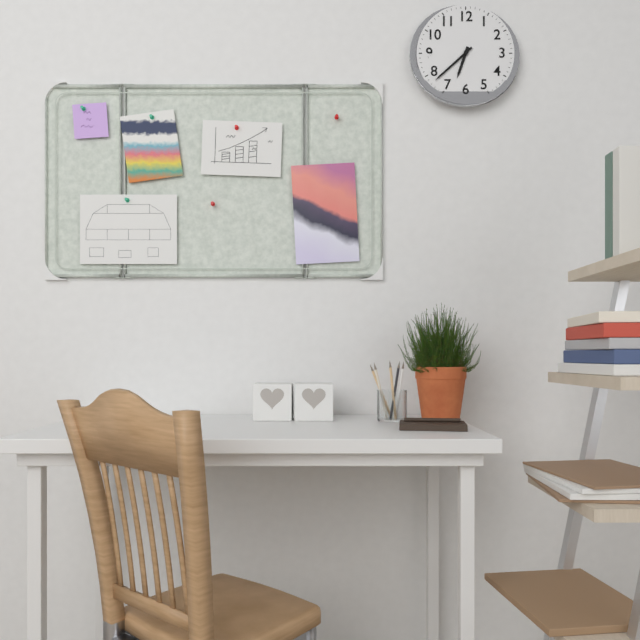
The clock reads h=6 m=38
